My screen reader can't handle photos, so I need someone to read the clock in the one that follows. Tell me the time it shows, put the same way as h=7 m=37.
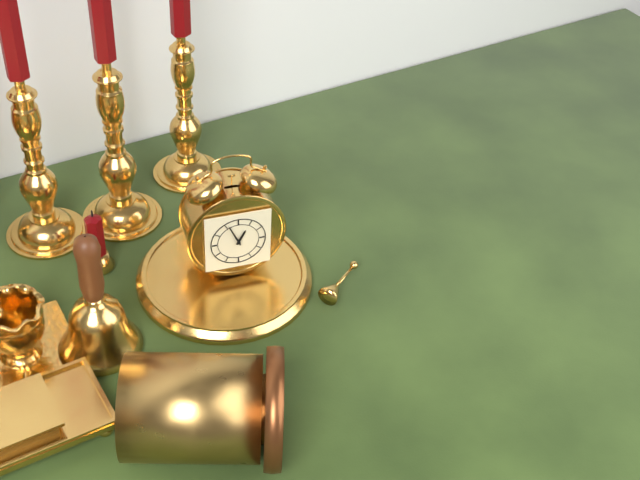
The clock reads h=12 m=56
